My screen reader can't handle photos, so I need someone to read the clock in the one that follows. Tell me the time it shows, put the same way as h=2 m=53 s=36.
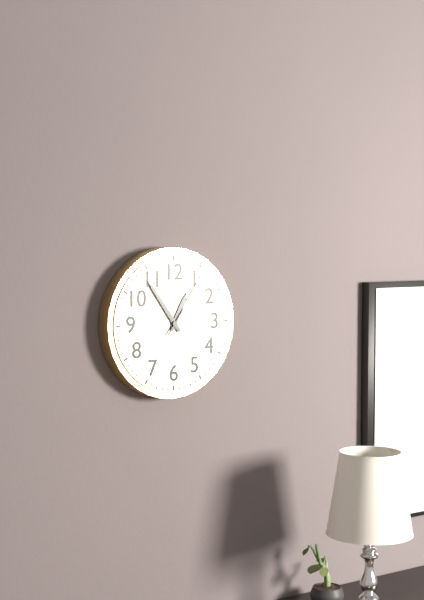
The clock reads h=12 m=54 s=6
